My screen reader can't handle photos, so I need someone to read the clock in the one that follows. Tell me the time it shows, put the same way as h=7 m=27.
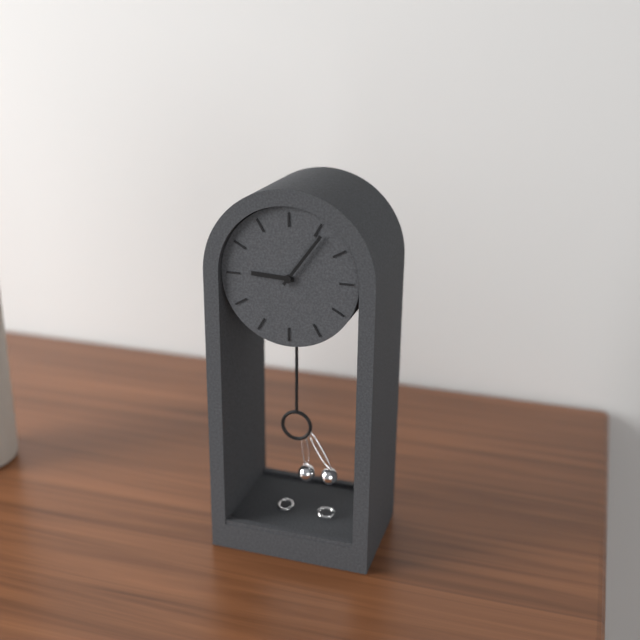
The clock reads h=9 m=6
